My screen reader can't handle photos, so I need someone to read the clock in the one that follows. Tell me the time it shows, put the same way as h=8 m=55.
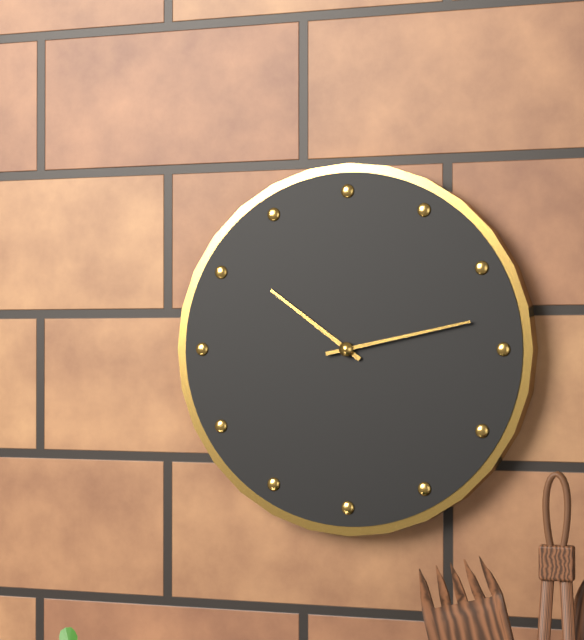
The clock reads h=10 m=13
